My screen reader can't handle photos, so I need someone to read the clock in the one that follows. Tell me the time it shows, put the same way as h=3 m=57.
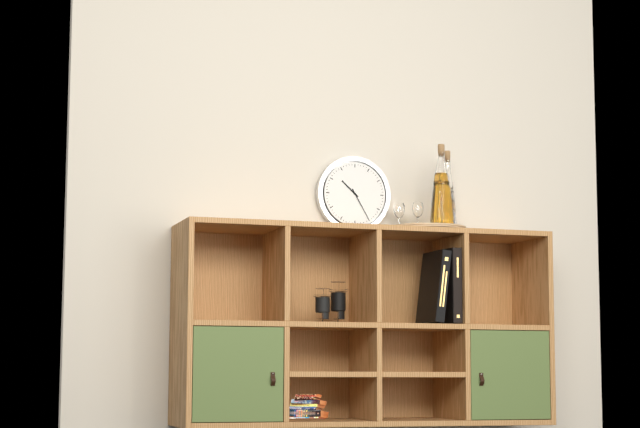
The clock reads h=10 m=25
